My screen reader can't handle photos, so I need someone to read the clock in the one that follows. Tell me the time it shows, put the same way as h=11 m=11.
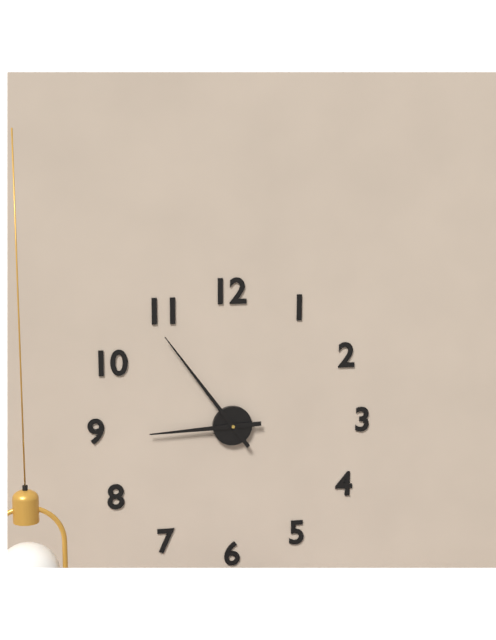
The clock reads h=8 m=54
